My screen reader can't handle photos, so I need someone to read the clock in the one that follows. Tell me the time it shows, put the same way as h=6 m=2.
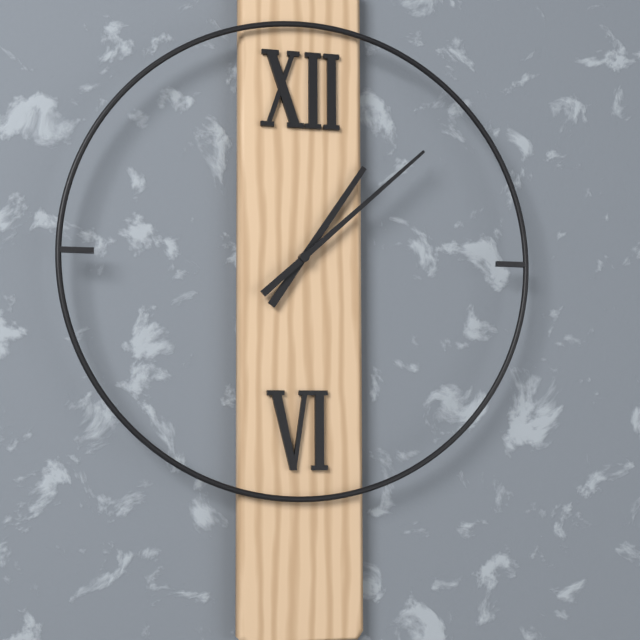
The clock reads h=1 m=8
